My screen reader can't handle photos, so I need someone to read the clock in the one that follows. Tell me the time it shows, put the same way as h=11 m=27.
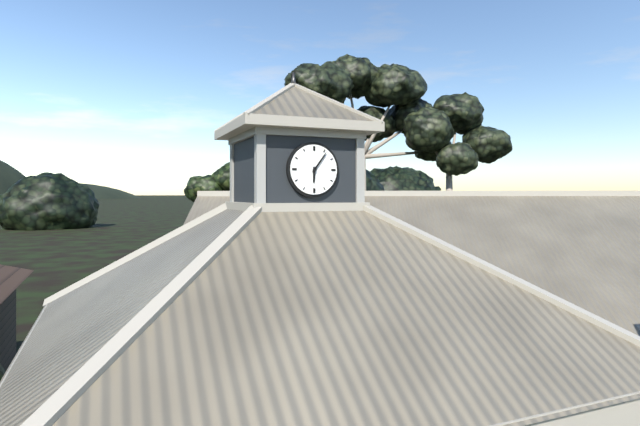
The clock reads h=6 m=6
